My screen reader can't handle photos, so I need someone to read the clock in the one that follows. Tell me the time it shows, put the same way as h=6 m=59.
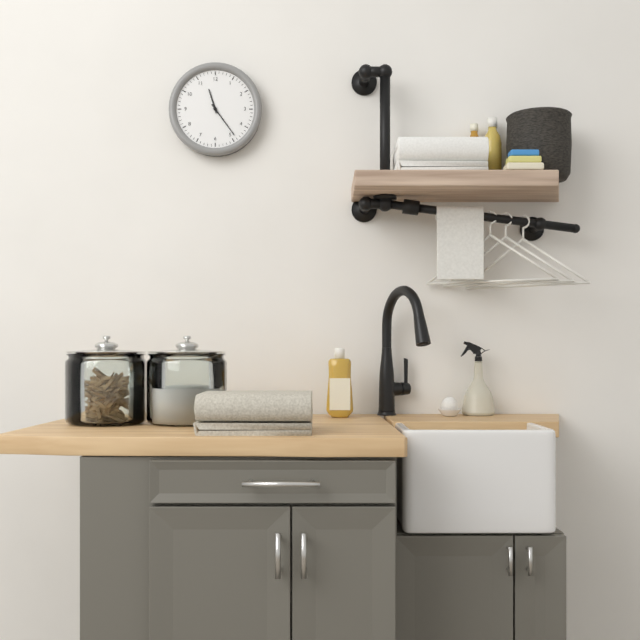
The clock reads h=11 m=24
